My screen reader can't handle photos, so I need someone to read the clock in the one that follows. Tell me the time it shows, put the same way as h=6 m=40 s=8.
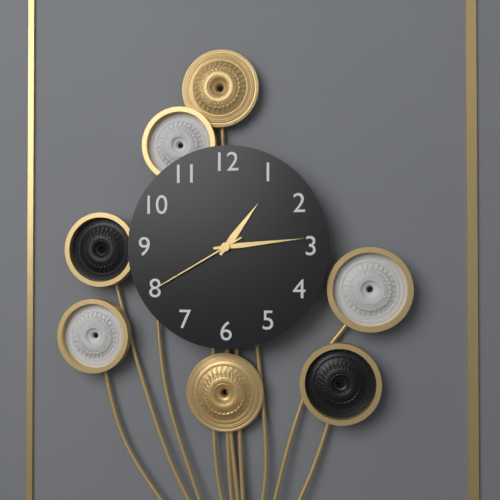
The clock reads h=1 m=14 s=40
